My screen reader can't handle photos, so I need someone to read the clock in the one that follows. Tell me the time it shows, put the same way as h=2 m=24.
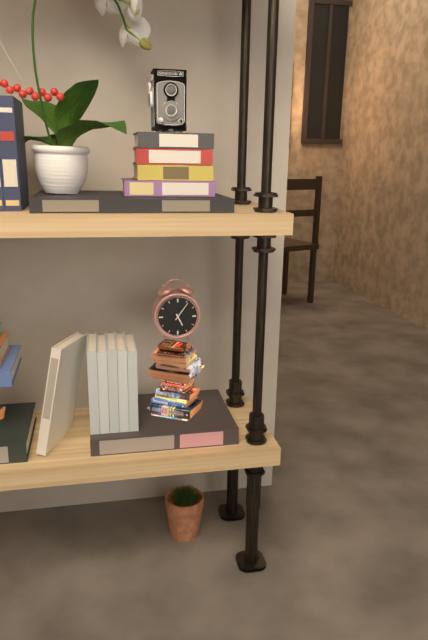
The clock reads h=5 m=6
